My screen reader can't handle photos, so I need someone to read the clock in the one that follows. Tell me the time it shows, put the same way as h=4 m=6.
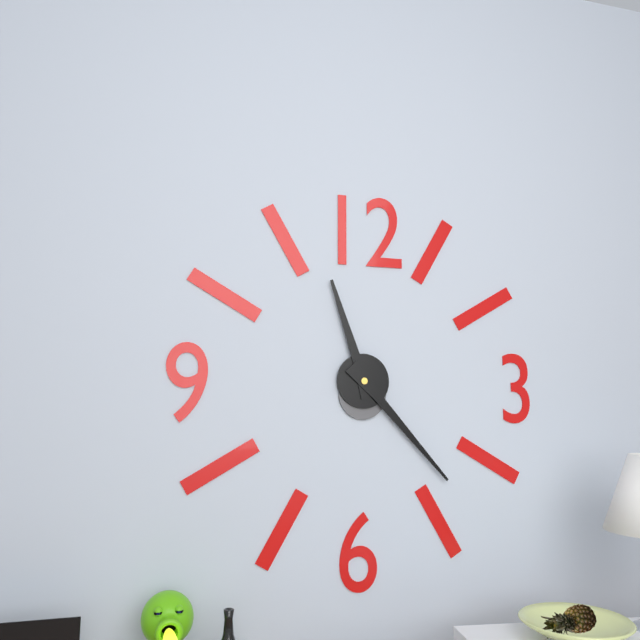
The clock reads h=11 m=23
